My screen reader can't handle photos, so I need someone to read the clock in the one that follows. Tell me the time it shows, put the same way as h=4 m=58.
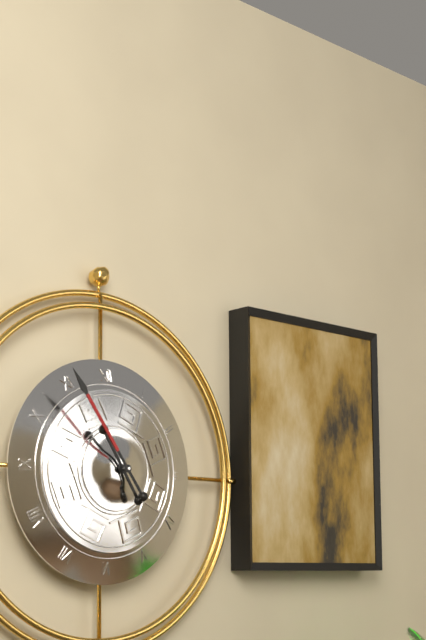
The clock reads h=10 m=54
